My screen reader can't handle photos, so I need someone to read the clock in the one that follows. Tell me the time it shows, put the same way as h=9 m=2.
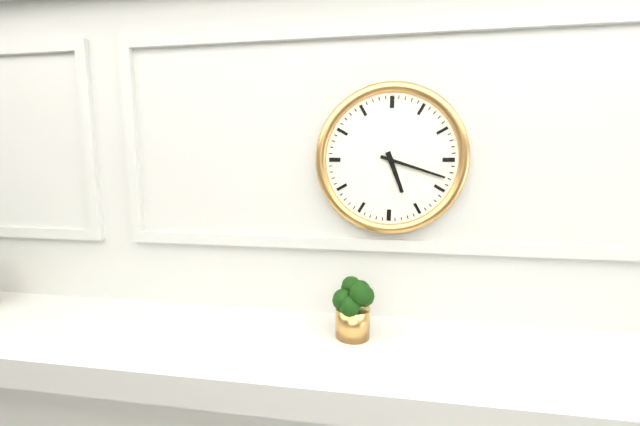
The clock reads h=5 m=18
